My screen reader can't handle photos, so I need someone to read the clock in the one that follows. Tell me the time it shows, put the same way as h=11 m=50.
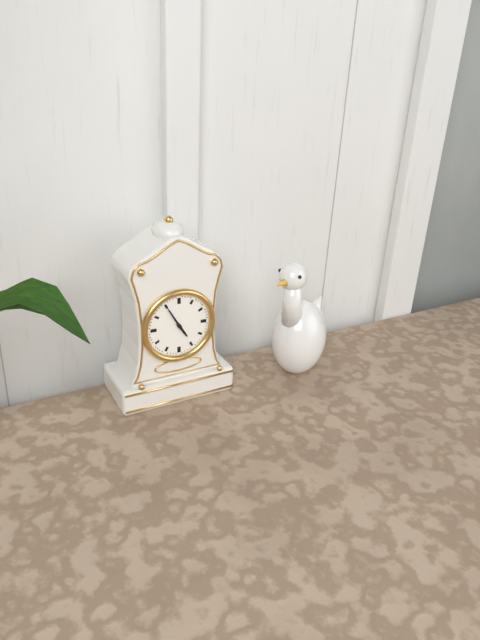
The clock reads h=4 m=55
